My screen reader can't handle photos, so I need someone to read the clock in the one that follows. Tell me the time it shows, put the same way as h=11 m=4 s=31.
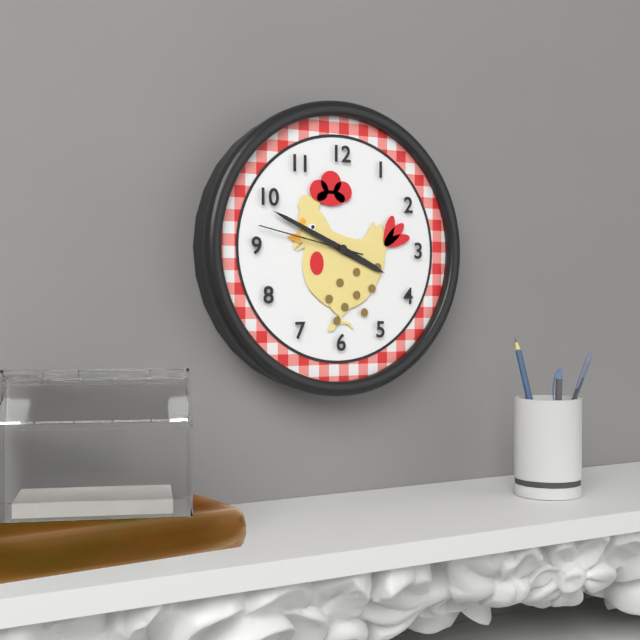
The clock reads h=3 m=49 s=47
